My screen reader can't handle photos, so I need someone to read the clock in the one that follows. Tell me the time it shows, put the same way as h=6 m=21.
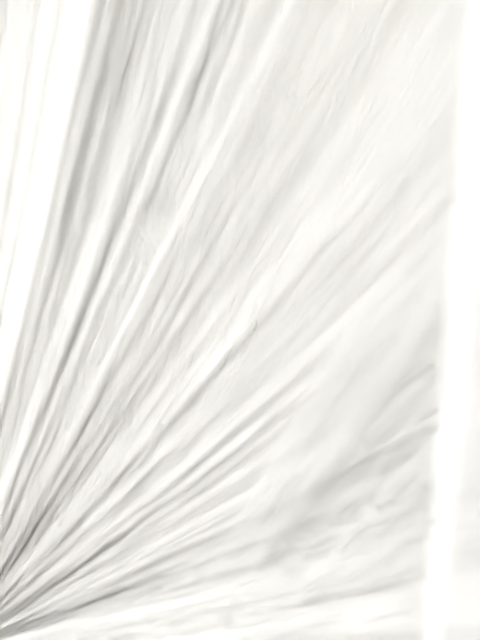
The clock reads h=10 m=25
